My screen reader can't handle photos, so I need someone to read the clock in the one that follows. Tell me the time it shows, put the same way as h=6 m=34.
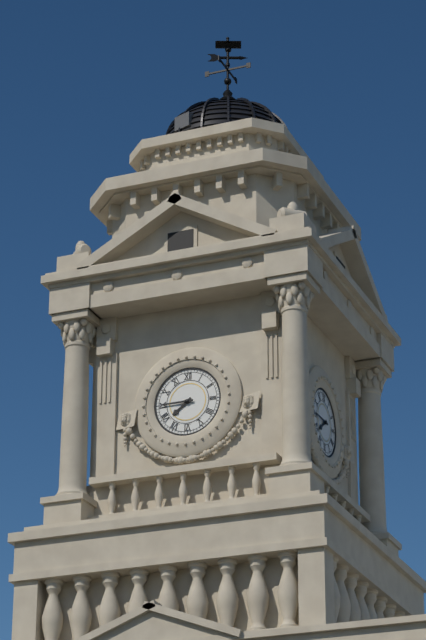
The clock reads h=7 m=45
